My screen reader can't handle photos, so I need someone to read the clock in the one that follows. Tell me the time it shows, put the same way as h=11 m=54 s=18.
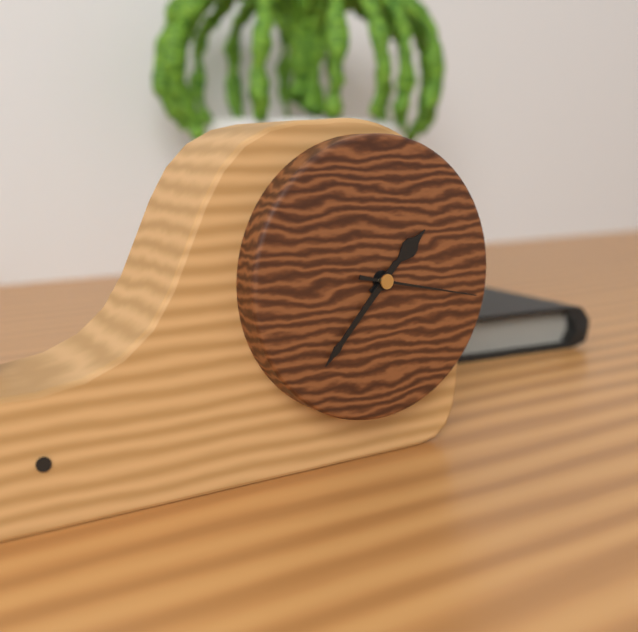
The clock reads h=1 m=37 s=17
